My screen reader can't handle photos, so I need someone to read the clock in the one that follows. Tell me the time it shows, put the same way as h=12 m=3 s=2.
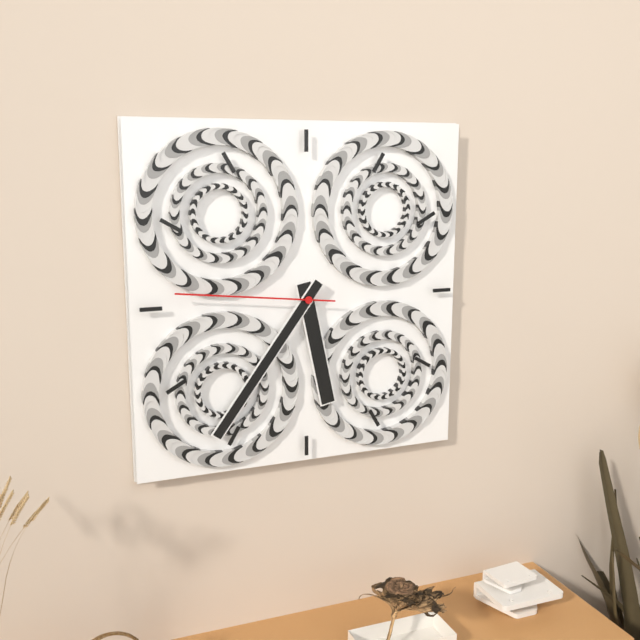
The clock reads h=5 m=36 s=46
